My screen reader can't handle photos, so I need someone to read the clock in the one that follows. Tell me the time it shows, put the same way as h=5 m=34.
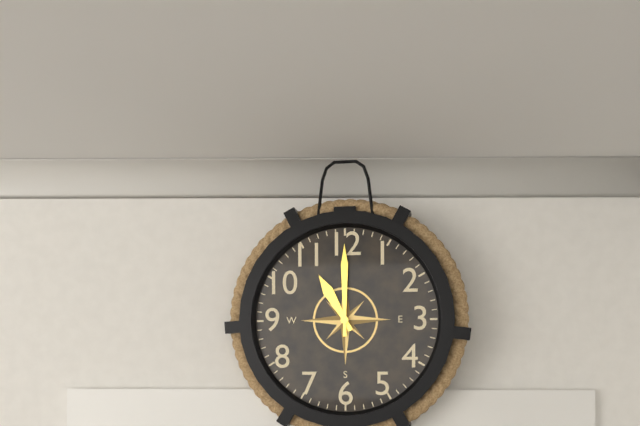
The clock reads h=11 m=0
